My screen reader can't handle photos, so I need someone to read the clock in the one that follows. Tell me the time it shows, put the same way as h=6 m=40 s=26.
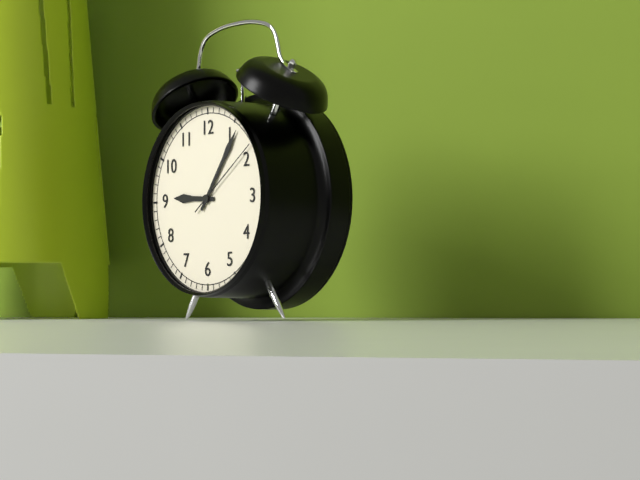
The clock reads h=9 m=6 s=9
